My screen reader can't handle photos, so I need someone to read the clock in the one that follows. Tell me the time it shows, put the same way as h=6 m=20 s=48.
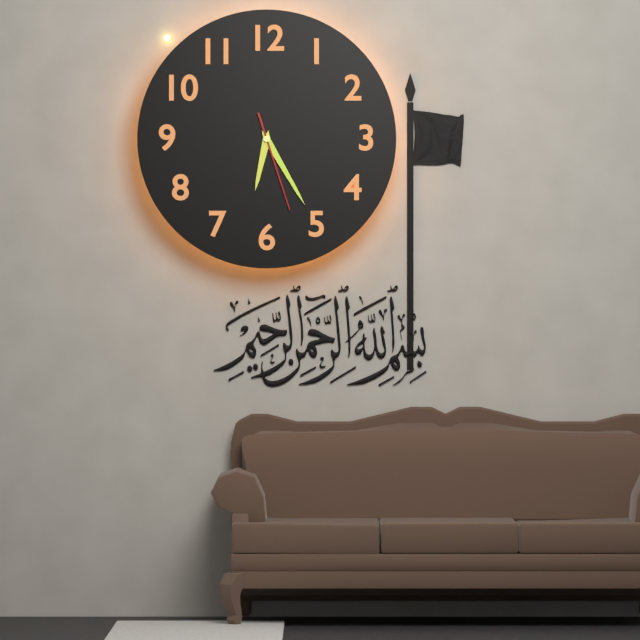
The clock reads h=6 m=25 s=27
